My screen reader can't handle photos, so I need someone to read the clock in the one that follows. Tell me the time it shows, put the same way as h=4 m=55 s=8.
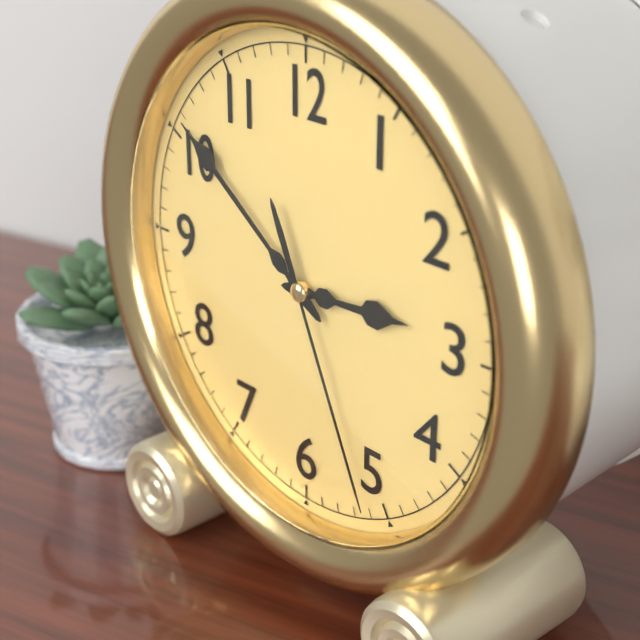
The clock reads h=2 m=51 s=26
